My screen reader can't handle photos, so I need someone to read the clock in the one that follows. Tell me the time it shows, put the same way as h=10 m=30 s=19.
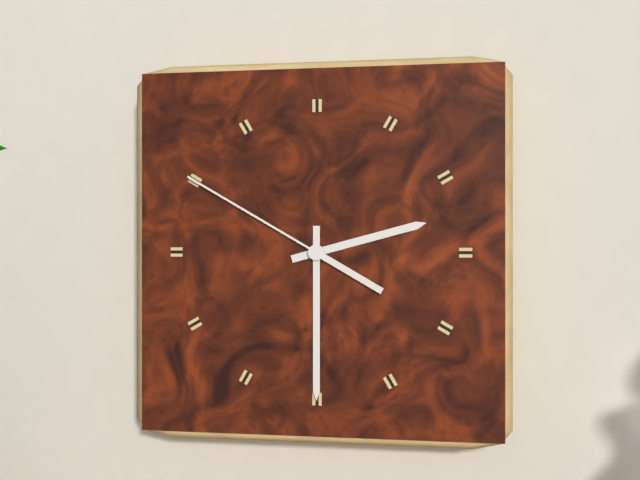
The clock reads h=2 m=30 s=50
